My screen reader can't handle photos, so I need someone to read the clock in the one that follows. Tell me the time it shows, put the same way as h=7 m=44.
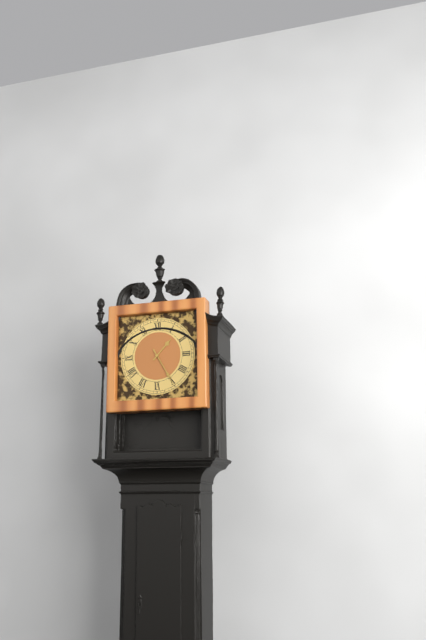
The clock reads h=1 m=25
